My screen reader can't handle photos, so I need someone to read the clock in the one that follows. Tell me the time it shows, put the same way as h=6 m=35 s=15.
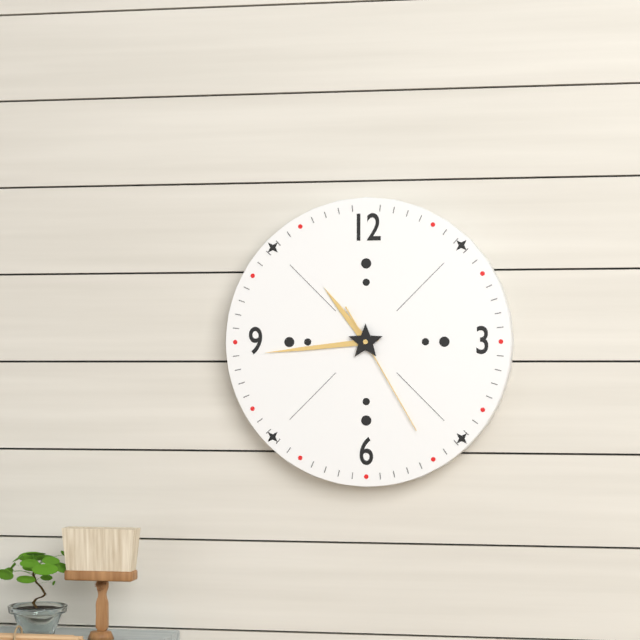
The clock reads h=10 m=44 s=25
